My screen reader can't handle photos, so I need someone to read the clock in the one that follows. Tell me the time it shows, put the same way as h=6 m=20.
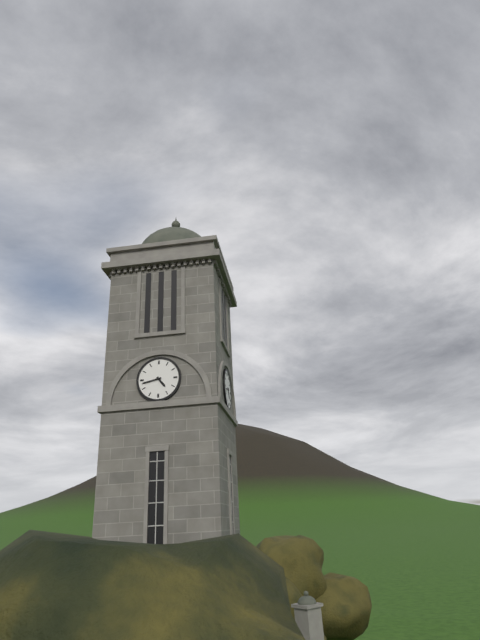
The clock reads h=4 m=43
